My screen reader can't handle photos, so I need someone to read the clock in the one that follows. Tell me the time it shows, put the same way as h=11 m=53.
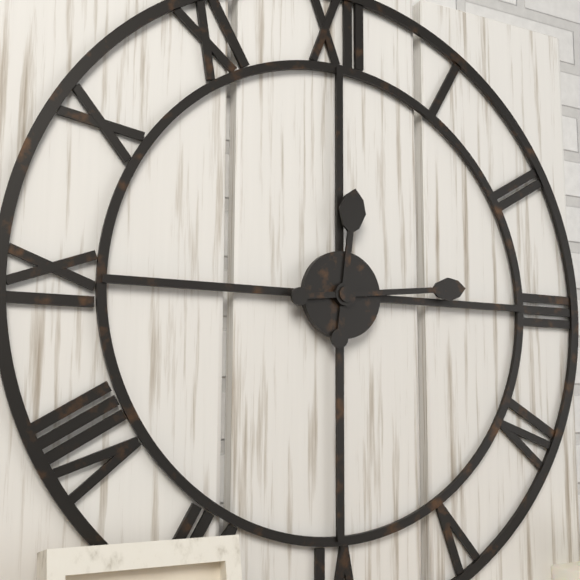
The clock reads h=12 m=14
